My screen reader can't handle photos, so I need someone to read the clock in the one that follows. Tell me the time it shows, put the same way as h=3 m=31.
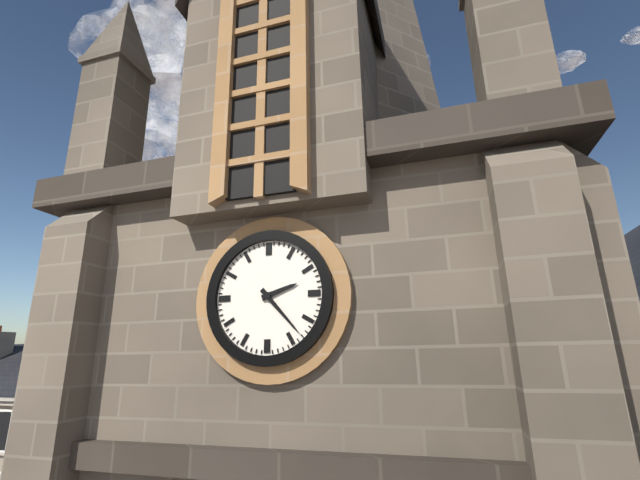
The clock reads h=2 m=23
